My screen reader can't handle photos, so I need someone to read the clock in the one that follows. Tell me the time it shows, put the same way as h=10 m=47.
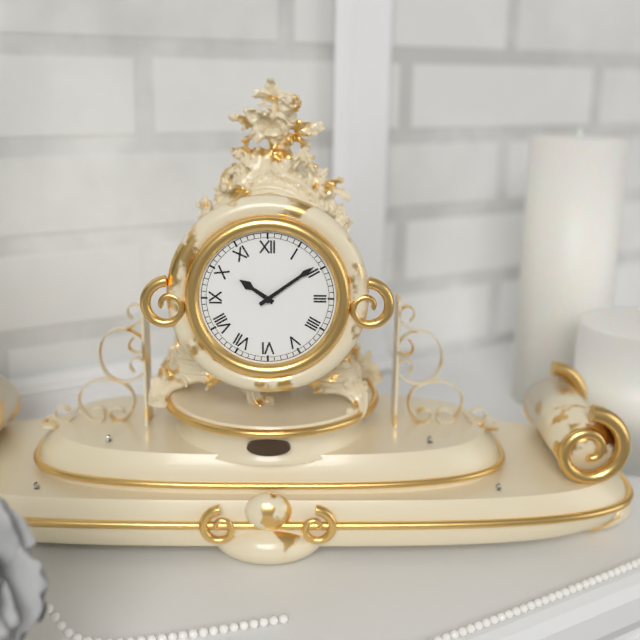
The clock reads h=10 m=9
